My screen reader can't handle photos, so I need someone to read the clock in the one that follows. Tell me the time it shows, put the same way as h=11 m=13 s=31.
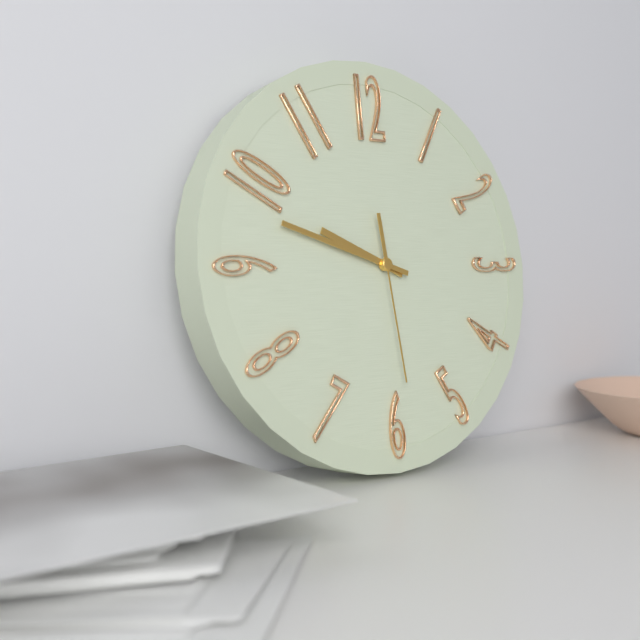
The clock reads h=9 m=48 s=29
